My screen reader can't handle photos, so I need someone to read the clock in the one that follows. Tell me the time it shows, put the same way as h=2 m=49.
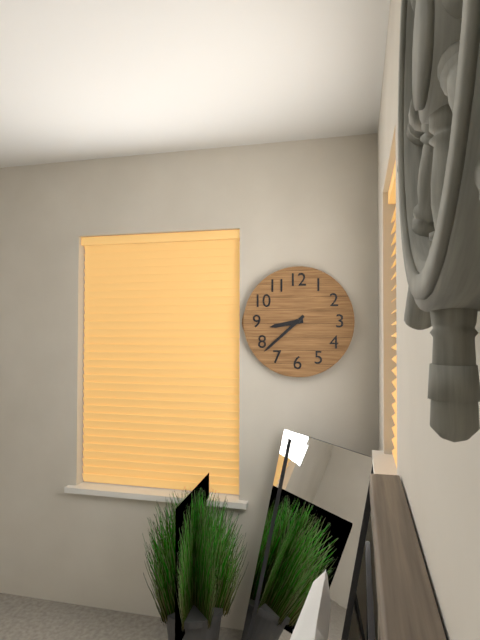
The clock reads h=8 m=38
